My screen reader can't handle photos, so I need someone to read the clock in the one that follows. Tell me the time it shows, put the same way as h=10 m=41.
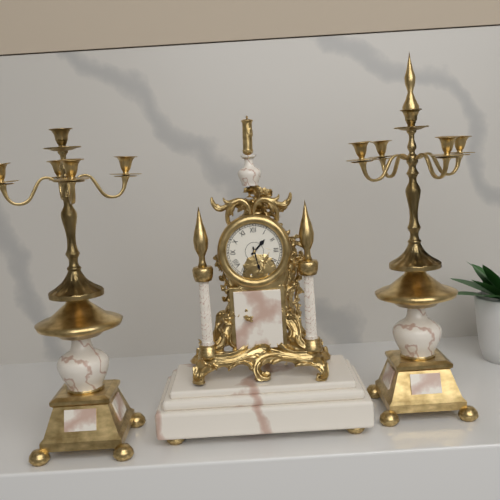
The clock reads h=1 m=28
